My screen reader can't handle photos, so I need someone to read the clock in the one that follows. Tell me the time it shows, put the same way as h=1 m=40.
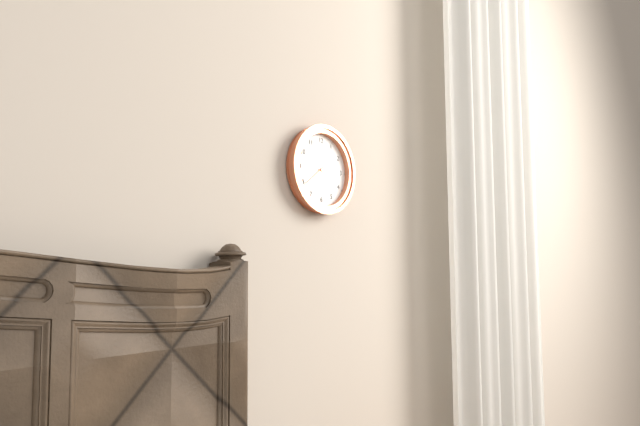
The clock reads h=2 m=39
